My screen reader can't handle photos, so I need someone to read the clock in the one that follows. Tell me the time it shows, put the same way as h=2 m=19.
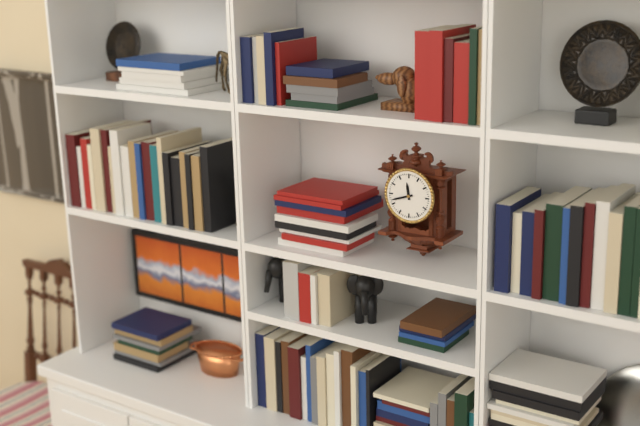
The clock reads h=11 m=42
